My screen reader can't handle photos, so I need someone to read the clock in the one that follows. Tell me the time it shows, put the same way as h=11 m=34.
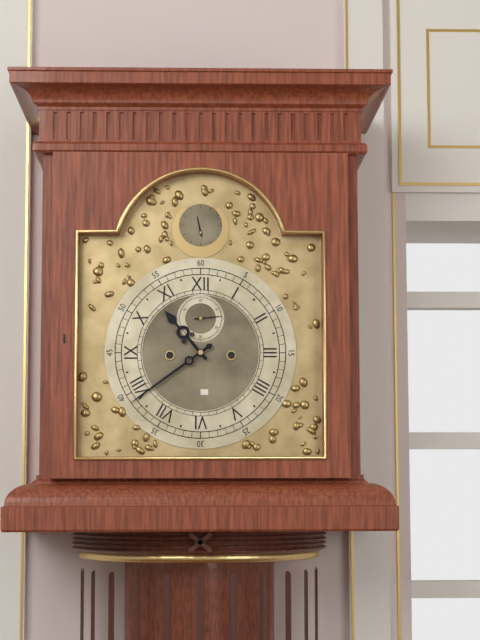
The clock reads h=10 m=39
